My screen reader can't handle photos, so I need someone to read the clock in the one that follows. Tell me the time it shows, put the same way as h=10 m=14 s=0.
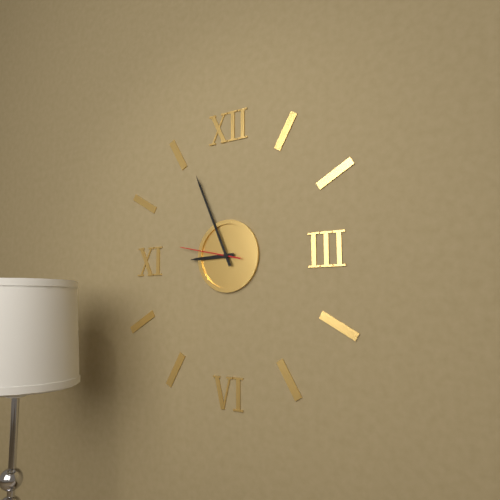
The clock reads h=8 m=56 s=47
